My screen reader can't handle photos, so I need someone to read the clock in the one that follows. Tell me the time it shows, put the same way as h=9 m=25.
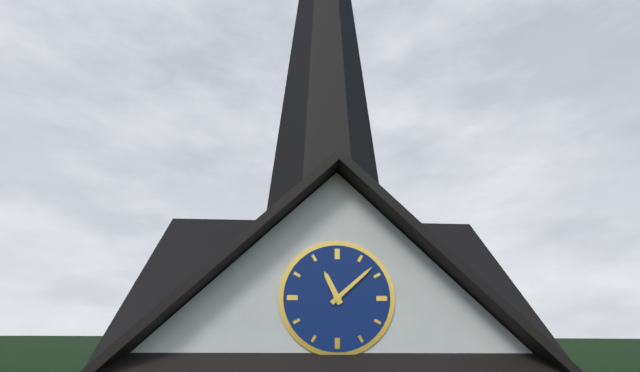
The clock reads h=11 m=8
